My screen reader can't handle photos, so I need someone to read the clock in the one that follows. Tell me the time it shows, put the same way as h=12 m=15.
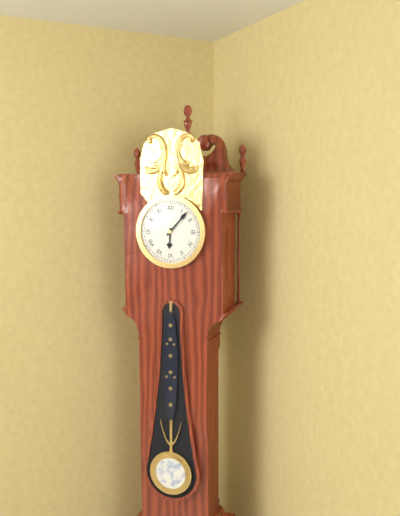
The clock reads h=6 m=7
